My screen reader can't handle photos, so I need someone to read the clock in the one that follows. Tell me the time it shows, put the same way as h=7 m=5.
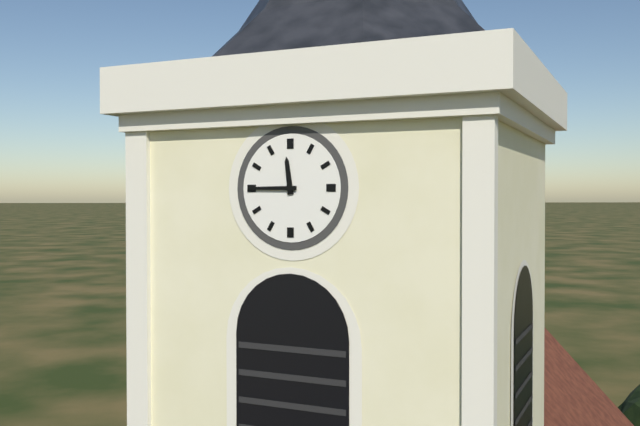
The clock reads h=11 m=45
